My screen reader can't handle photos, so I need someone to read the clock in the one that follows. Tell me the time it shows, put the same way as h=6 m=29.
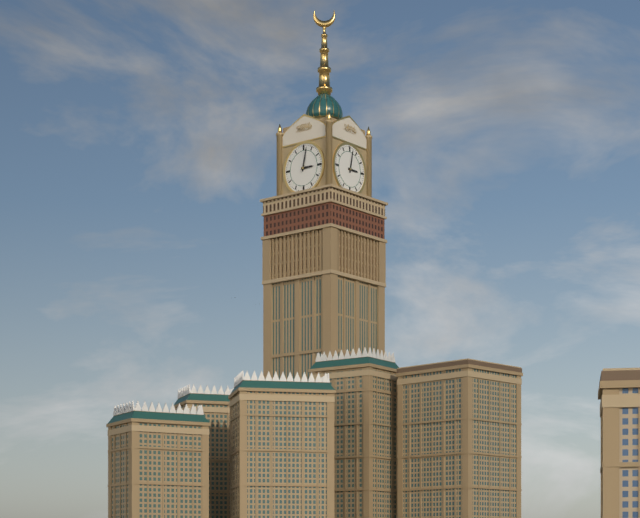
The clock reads h=3 m=2
